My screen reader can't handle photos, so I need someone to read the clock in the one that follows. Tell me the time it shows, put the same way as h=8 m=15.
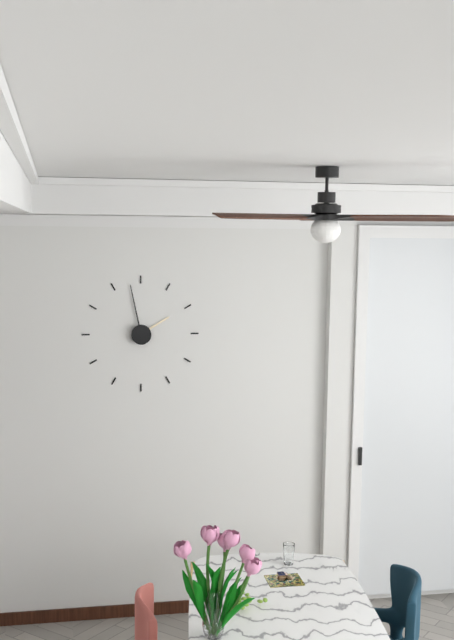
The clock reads h=1 m=58
